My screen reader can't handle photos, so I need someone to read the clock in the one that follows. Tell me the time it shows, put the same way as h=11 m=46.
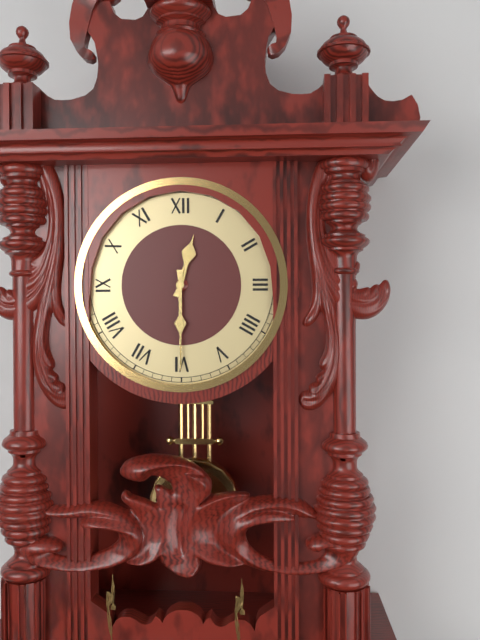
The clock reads h=12 m=30
